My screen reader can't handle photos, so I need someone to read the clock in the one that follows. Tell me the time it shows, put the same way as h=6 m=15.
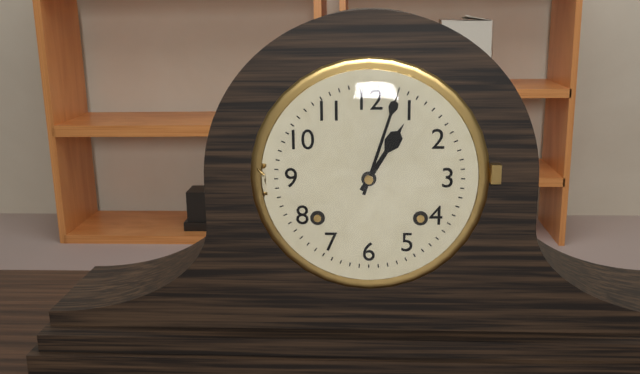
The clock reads h=1 m=3
